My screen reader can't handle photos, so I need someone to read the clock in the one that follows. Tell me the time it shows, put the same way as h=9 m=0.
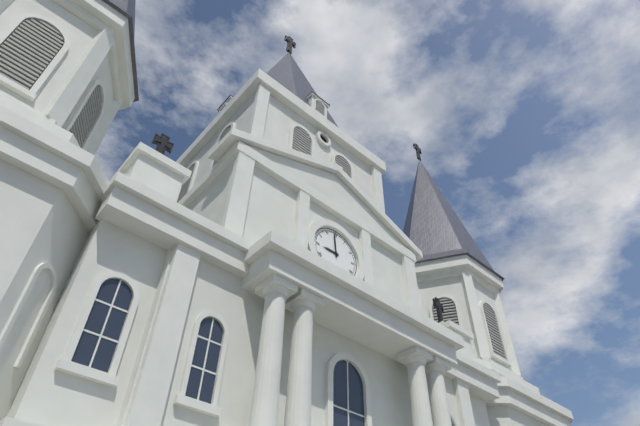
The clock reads h=8 m=59
